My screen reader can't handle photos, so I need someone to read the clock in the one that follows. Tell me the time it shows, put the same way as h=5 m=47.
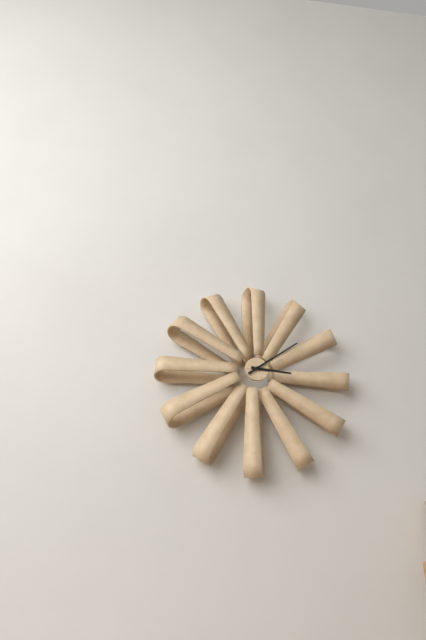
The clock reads h=3 m=9
